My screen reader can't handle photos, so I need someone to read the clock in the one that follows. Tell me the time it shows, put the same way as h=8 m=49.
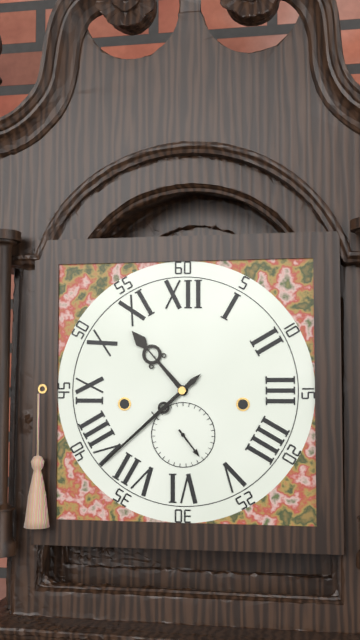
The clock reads h=10 m=38
